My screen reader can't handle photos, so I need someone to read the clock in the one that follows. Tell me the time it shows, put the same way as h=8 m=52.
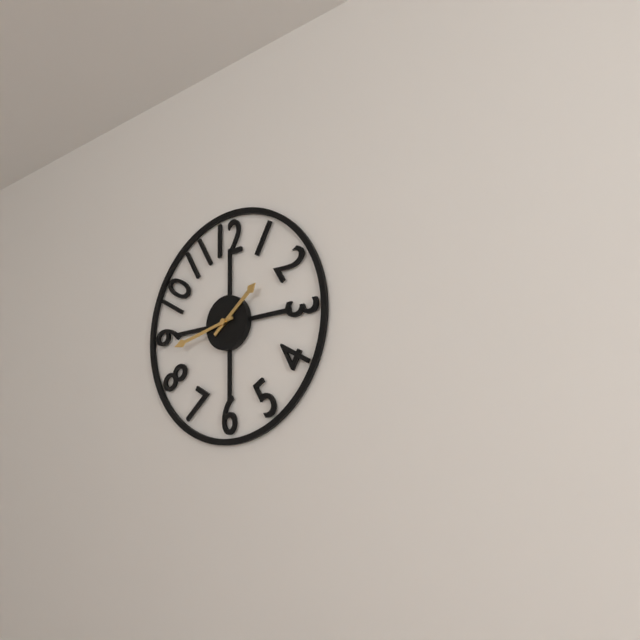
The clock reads h=1 m=43
